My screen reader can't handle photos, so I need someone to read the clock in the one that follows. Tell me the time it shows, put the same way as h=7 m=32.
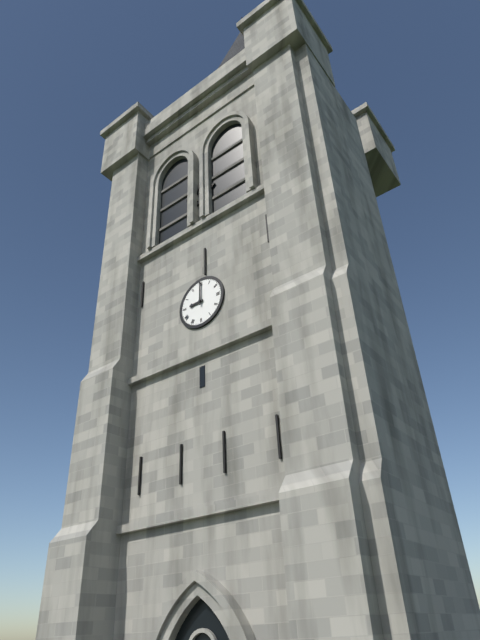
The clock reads h=9 m=0
